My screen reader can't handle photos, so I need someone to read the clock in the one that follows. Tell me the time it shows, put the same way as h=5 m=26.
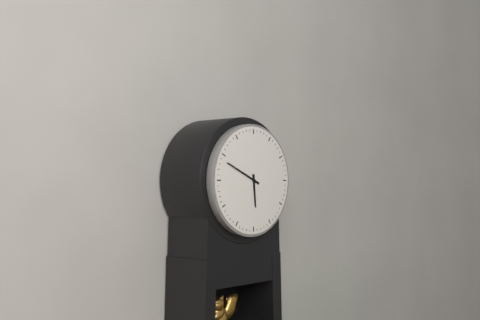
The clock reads h=5 m=49
